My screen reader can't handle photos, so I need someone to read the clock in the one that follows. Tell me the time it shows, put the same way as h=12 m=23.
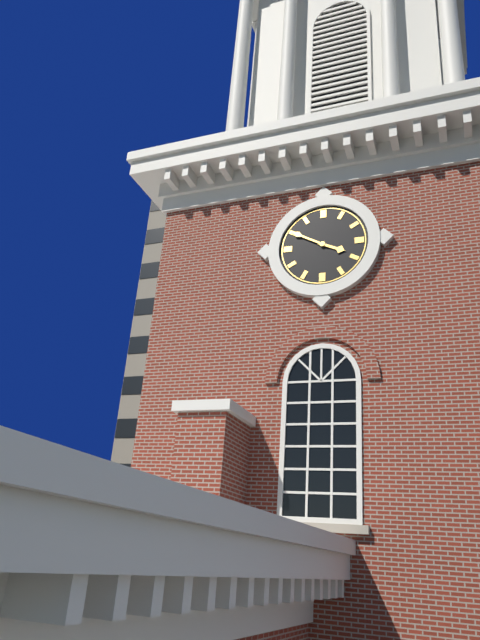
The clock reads h=3 m=50
